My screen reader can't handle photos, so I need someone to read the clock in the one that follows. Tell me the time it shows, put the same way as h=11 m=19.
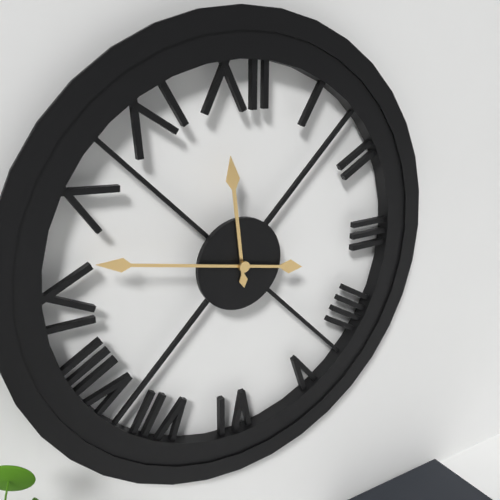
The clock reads h=11 m=47
